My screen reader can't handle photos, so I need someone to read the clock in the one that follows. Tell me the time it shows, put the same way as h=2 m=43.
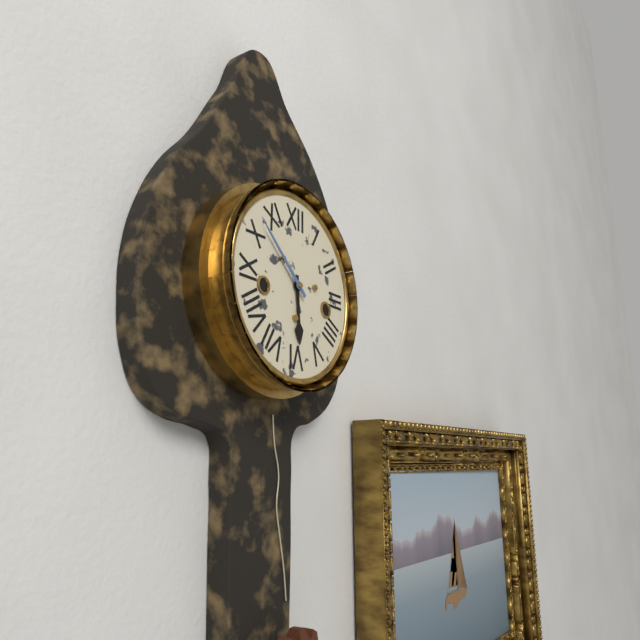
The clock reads h=5 m=52
